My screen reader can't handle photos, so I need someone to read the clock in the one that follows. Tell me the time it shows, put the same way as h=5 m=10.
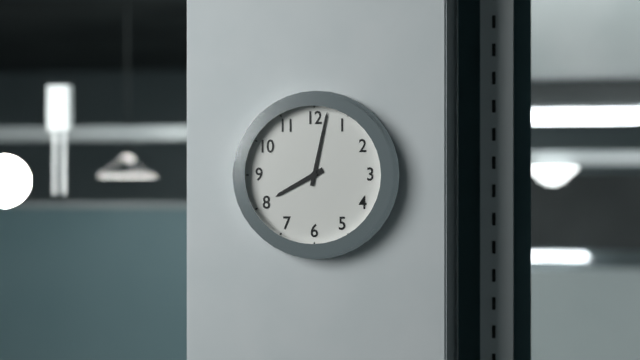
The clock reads h=8 m=2
